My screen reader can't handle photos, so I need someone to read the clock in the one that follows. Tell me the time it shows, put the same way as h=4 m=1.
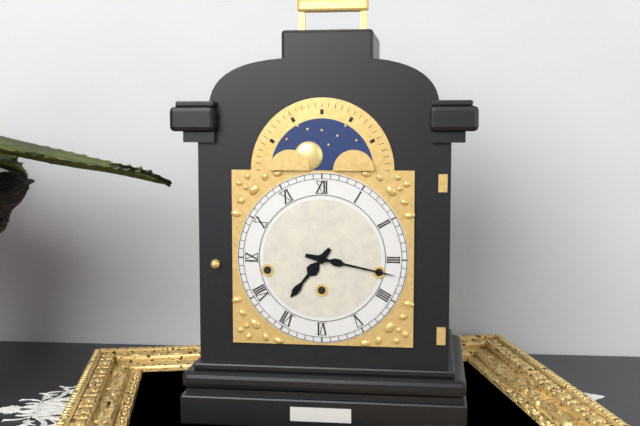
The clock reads h=7 m=17
